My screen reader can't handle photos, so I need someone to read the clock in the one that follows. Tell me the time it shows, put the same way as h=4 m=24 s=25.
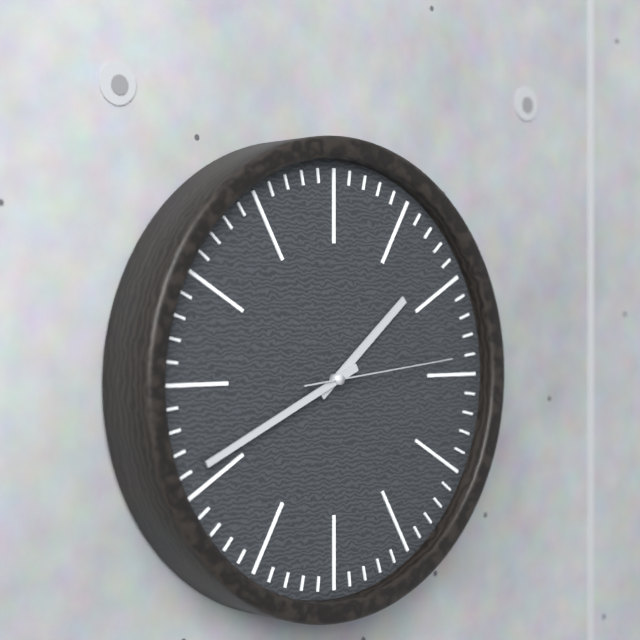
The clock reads h=1 m=41 s=14
